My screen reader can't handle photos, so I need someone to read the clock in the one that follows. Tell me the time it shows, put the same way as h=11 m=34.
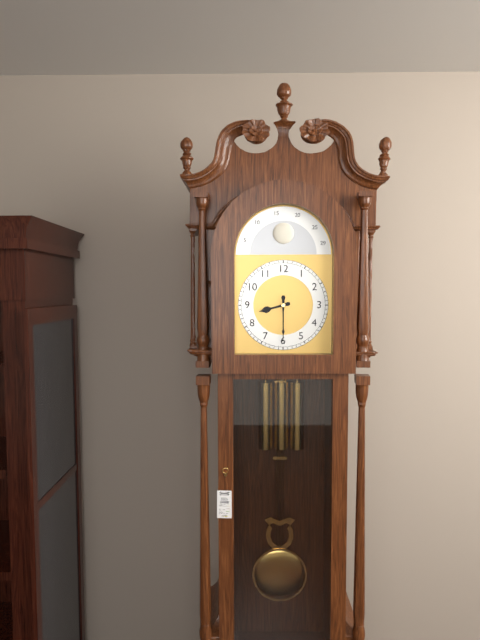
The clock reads h=8 m=30
